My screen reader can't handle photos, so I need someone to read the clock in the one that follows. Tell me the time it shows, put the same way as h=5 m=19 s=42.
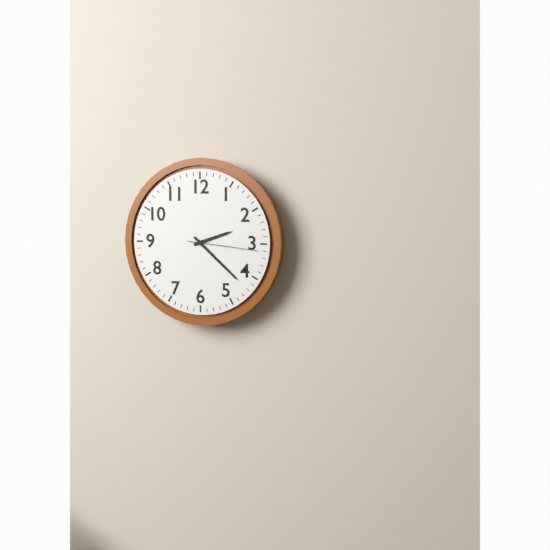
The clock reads h=2 m=22 s=16
